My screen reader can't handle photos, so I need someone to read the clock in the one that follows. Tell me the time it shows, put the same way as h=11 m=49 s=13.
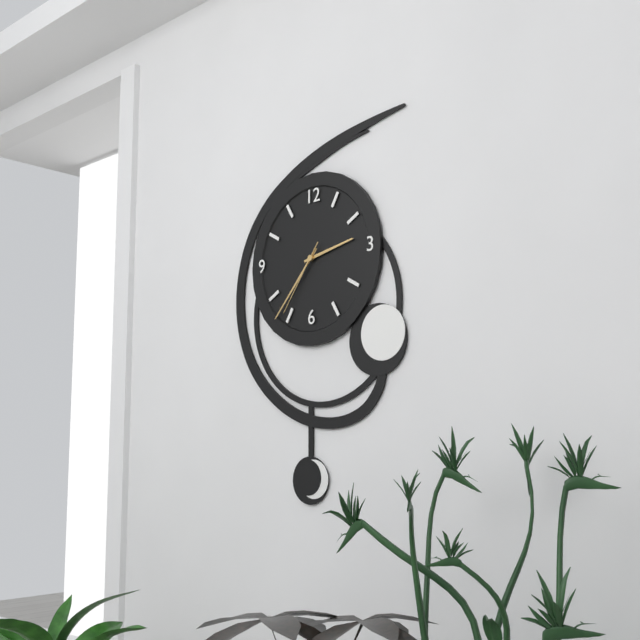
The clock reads h=2 m=37 s=36
